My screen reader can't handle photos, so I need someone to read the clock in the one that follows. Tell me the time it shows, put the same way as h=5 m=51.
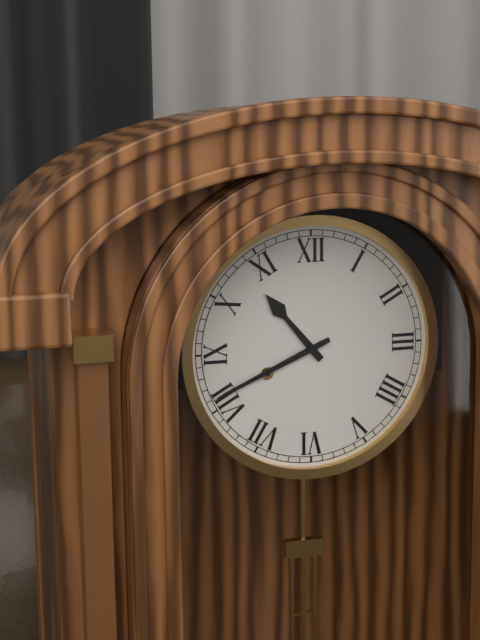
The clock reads h=10 m=41
